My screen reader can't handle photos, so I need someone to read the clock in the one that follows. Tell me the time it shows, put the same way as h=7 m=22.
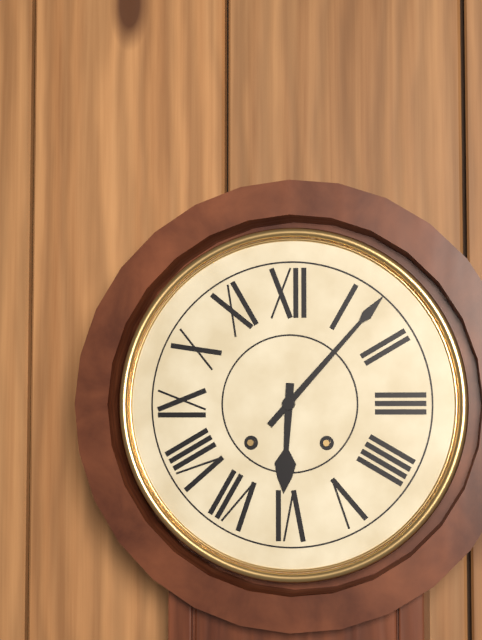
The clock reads h=6 m=7
